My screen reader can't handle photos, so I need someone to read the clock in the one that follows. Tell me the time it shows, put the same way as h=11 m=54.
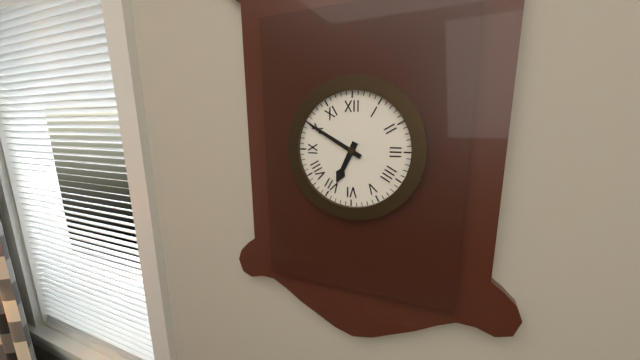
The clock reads h=6 m=50
